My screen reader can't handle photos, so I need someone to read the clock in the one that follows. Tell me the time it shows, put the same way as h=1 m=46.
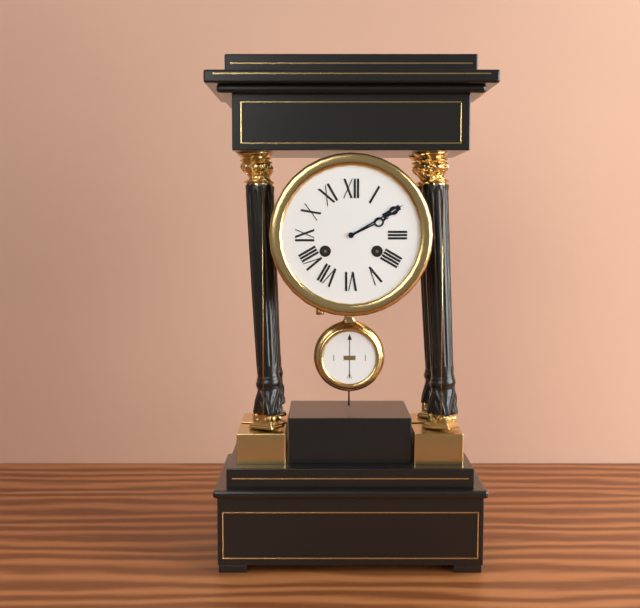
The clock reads h=2 m=10
